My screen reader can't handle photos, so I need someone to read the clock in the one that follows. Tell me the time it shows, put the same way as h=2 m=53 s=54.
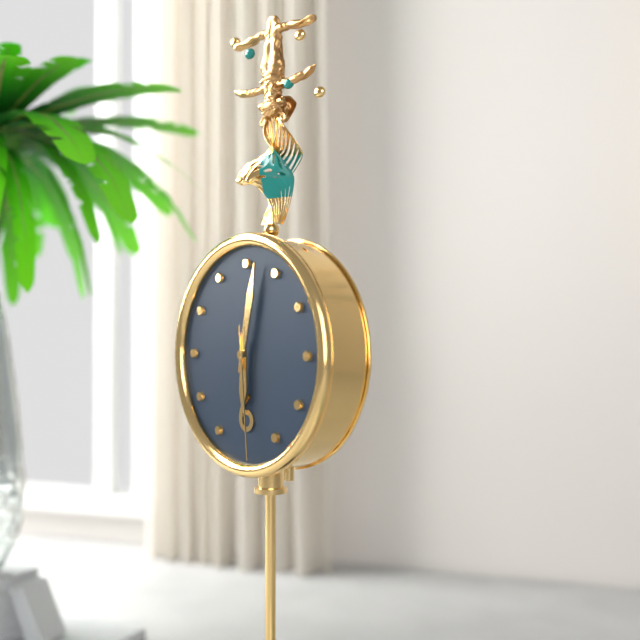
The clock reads h=6 m=2 s=29
